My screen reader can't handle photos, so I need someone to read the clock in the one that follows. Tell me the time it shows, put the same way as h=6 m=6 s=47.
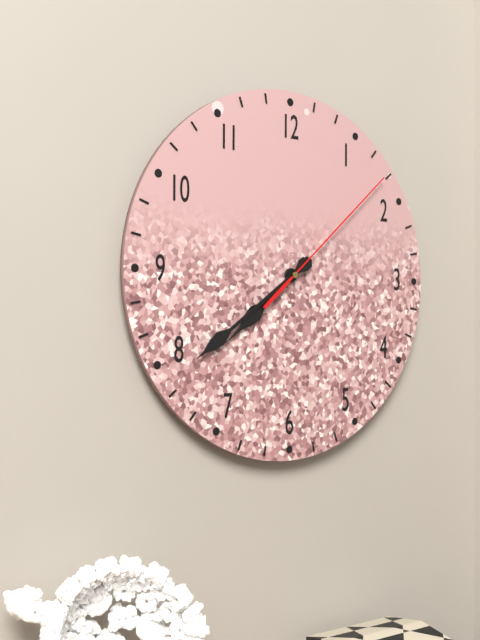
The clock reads h=7 m=39 s=8
